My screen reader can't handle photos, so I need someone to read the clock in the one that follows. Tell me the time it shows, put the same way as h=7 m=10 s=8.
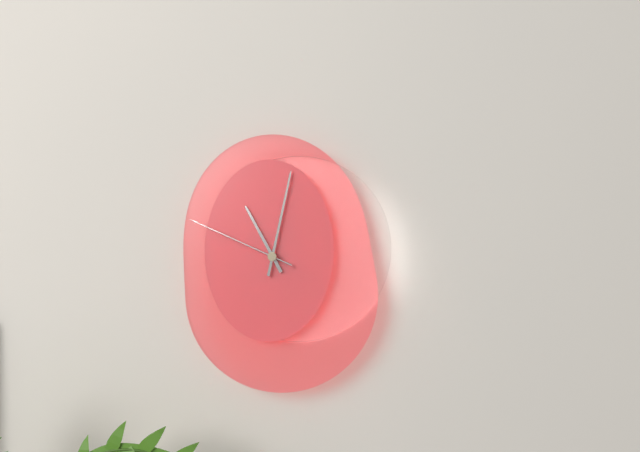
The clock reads h=11 m=2 s=49
